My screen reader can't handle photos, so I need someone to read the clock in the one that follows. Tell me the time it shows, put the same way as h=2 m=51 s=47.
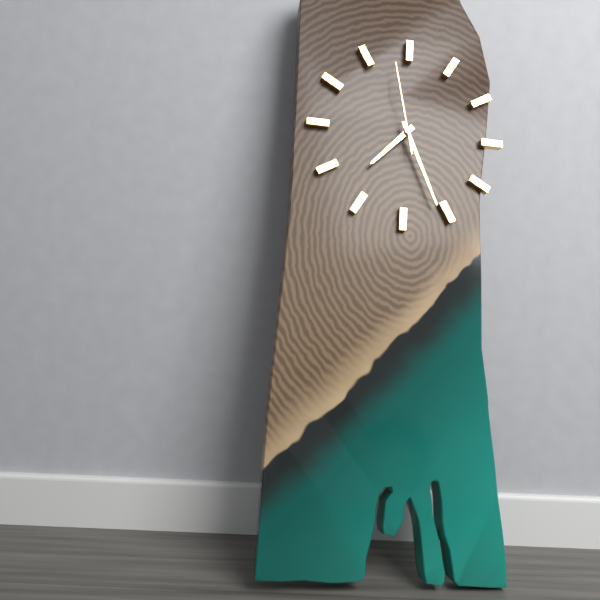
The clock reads h=7 m=26 s=58
